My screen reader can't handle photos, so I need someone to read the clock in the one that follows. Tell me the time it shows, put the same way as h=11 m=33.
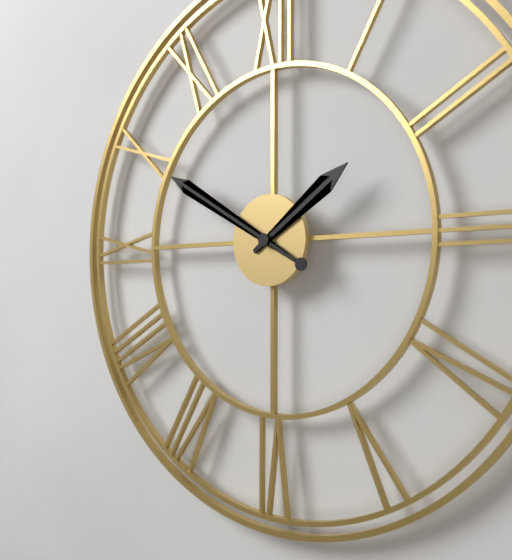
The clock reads h=1 m=50
